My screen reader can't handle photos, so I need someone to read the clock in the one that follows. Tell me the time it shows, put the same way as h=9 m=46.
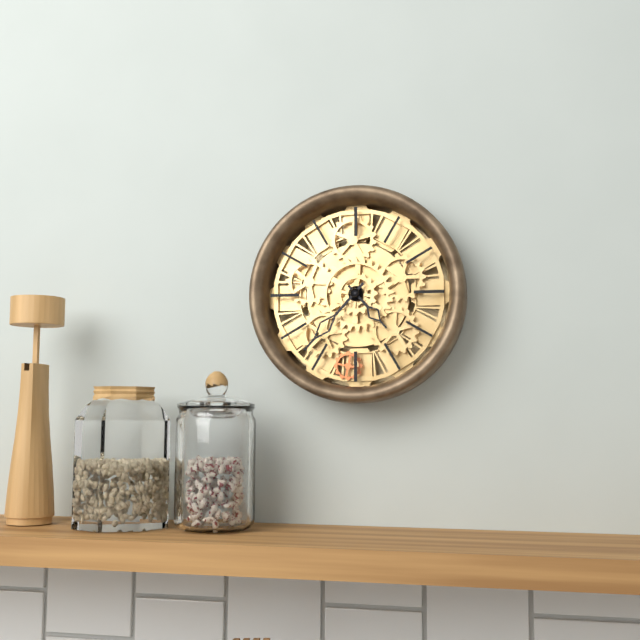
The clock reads h=4 m=37
